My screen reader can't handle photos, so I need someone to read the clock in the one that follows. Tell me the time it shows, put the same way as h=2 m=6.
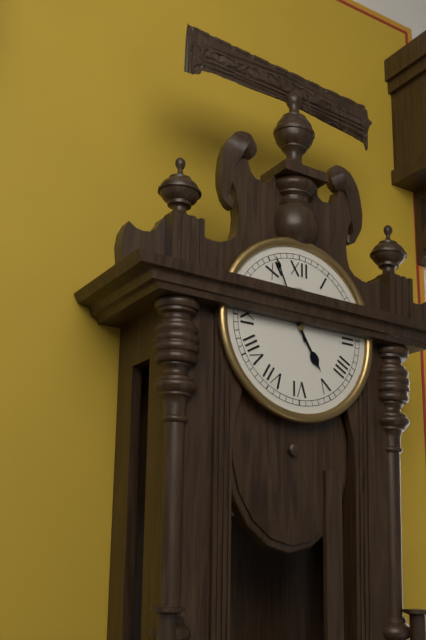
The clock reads h=4 m=56
